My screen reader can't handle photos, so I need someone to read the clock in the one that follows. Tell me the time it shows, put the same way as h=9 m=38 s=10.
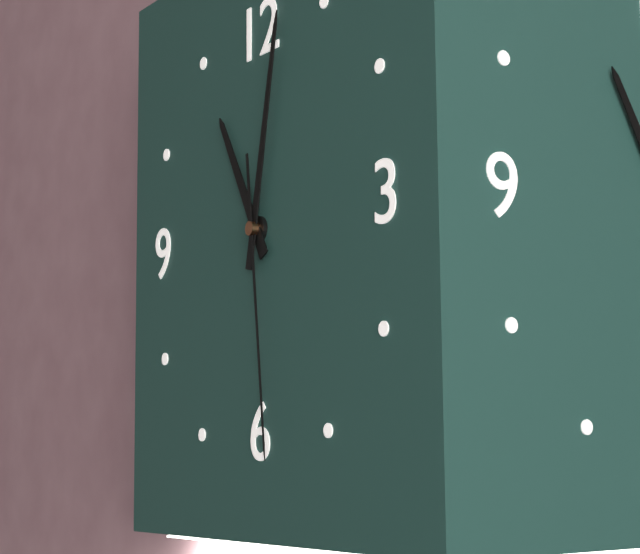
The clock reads h=11 m=2 s=29
